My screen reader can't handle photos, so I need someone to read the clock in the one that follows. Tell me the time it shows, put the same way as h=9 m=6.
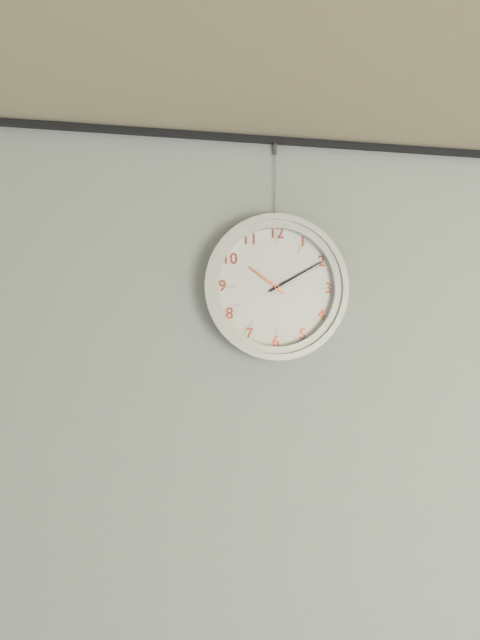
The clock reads h=10 m=10
